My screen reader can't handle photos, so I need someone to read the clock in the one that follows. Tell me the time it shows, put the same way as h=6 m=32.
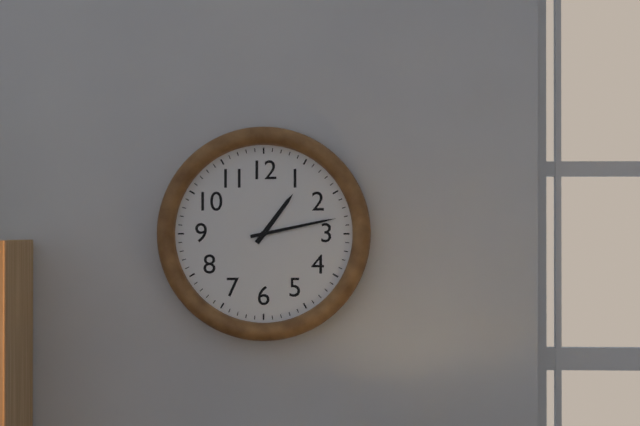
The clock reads h=1 m=13
